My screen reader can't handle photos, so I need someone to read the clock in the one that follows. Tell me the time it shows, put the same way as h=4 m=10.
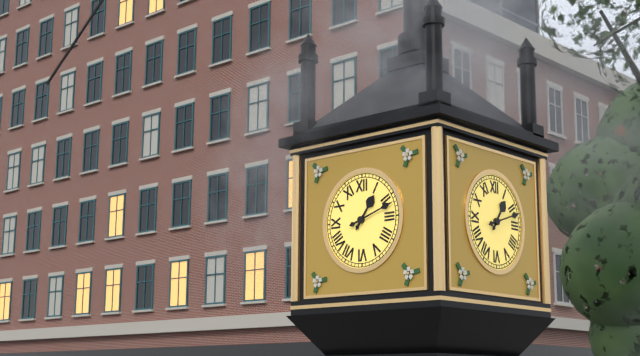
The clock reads h=1 m=12
